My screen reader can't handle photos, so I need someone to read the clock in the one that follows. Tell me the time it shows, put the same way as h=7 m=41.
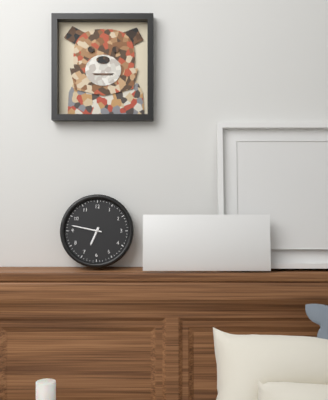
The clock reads h=6 m=47
